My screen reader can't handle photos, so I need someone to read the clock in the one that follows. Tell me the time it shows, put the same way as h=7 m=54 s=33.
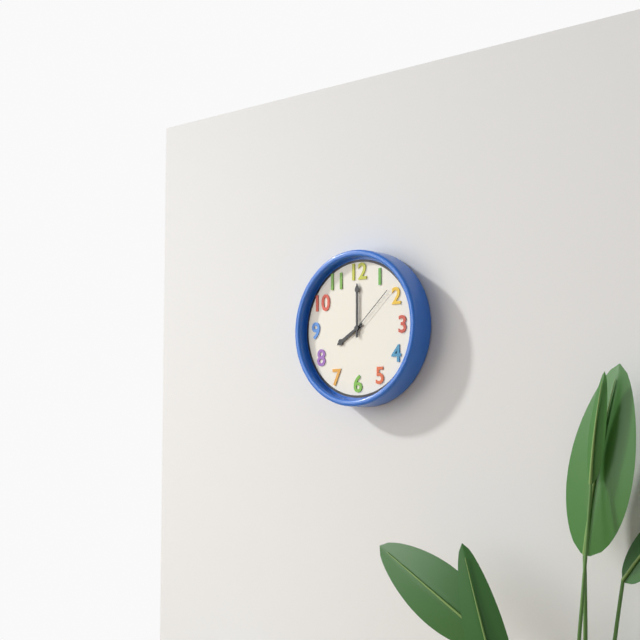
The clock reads h=8 m=0 s=8
